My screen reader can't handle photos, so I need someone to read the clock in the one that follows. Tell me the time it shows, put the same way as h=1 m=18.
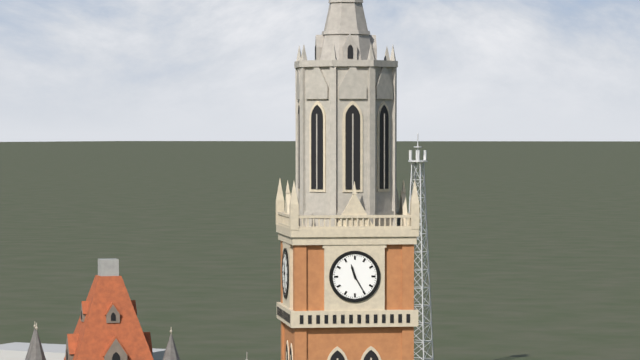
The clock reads h=11 m=25
